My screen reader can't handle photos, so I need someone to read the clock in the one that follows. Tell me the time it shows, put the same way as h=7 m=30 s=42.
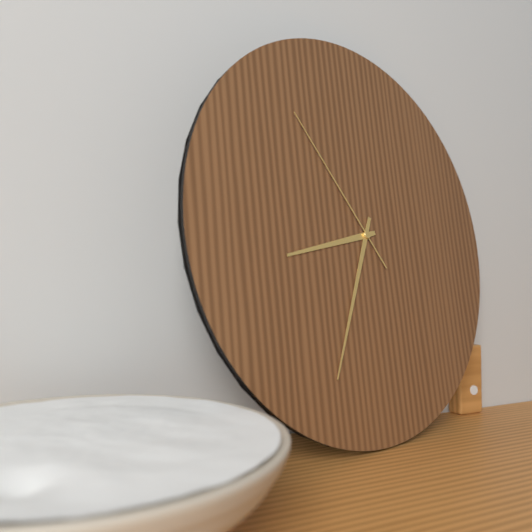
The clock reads h=8 m=34 s=54
